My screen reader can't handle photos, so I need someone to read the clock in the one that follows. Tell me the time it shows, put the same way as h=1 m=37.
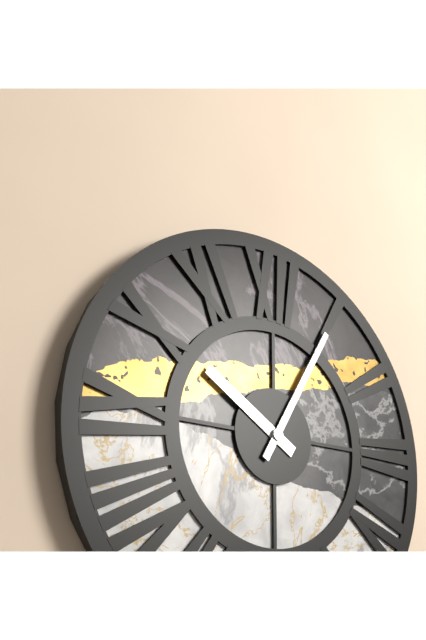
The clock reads h=10 m=5
